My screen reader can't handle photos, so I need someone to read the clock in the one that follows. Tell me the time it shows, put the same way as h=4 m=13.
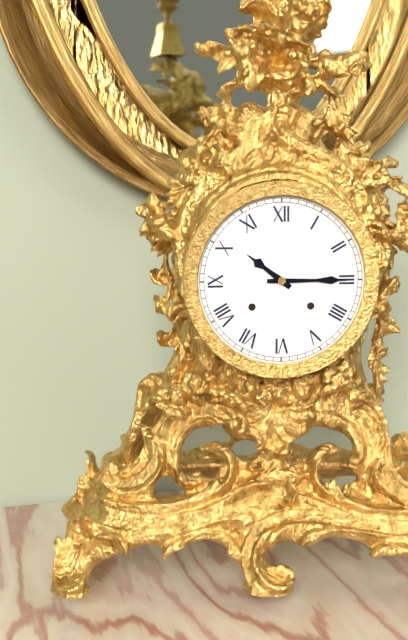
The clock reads h=10 m=15
